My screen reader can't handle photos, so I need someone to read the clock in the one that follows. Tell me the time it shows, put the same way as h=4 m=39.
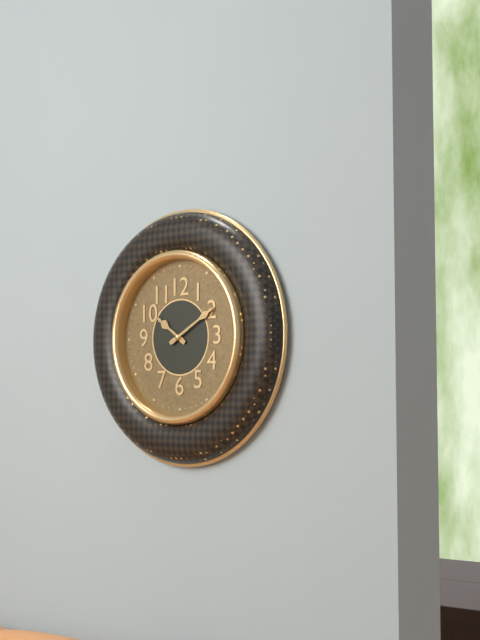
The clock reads h=10 m=10
